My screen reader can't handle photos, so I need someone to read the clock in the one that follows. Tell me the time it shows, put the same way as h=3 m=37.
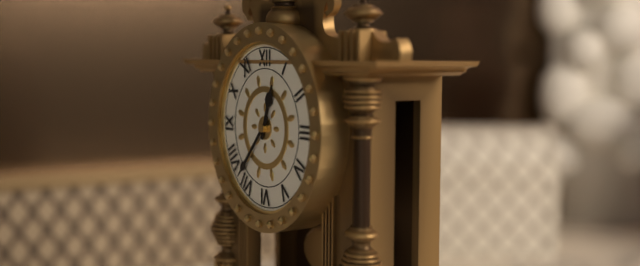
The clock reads h=12 m=37
